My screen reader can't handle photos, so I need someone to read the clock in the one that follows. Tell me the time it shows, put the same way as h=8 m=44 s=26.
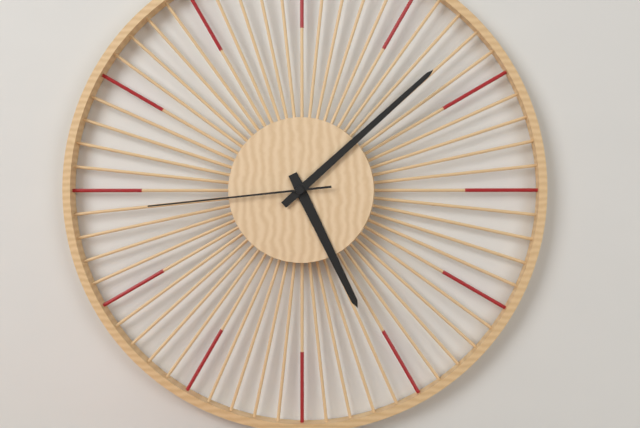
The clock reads h=5 m=8 s=44
